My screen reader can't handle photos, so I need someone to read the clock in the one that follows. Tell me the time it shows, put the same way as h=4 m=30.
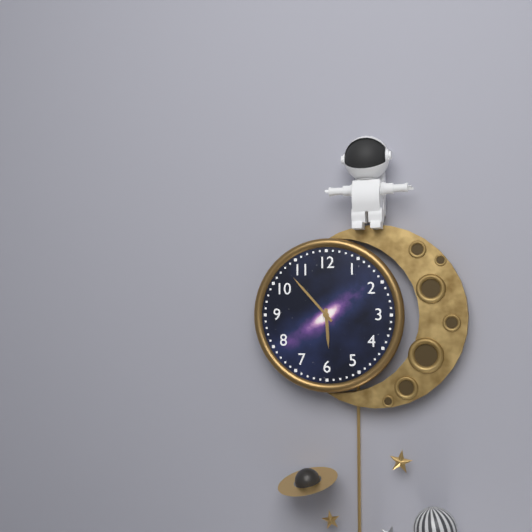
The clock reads h=5 m=53
